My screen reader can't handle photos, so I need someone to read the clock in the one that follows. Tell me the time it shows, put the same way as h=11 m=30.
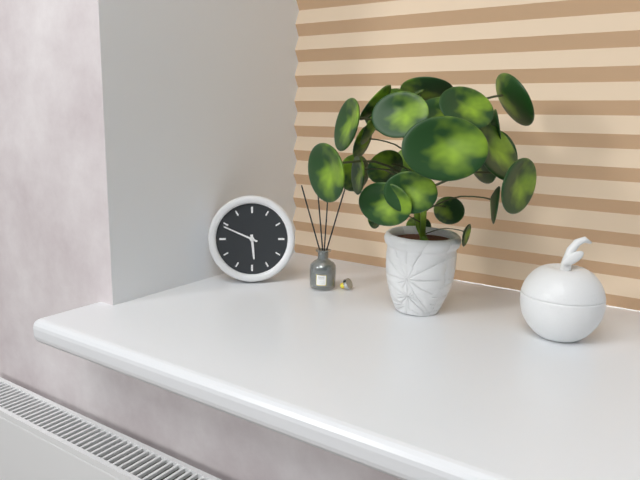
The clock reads h=5 m=49
